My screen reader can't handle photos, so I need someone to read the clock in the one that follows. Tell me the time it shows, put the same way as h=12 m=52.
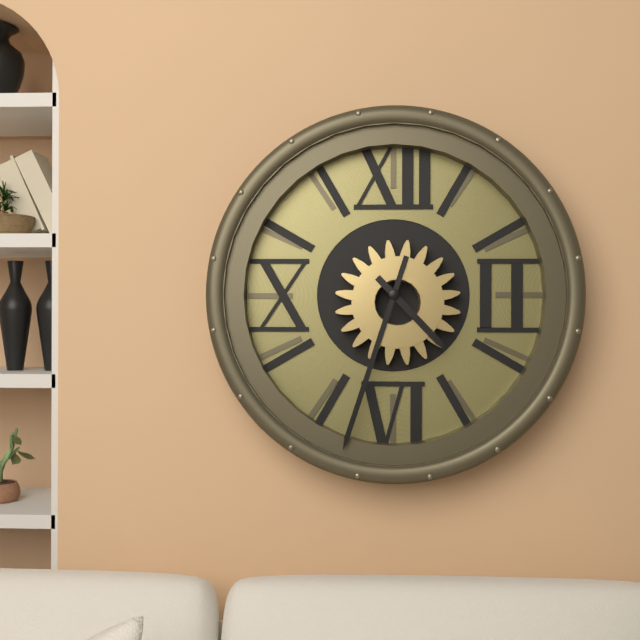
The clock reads h=4 m=33
